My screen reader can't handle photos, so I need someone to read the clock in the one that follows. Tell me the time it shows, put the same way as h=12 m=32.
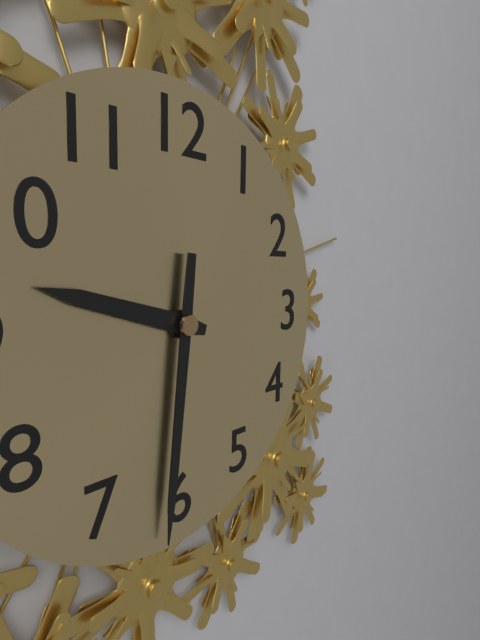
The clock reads h=9 m=31
